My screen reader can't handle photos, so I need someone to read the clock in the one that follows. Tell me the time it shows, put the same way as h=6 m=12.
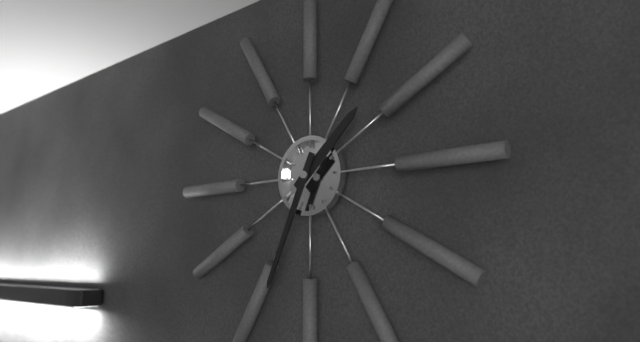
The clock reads h=1 m=34
